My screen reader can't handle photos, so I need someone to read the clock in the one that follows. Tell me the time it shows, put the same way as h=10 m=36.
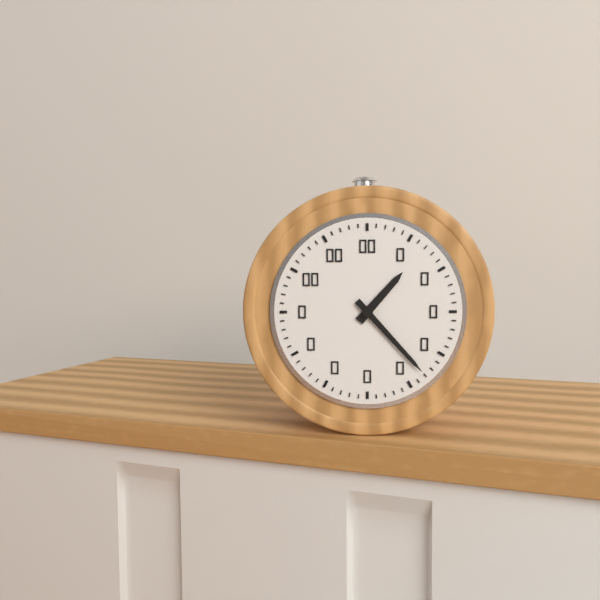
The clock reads h=1 m=23
